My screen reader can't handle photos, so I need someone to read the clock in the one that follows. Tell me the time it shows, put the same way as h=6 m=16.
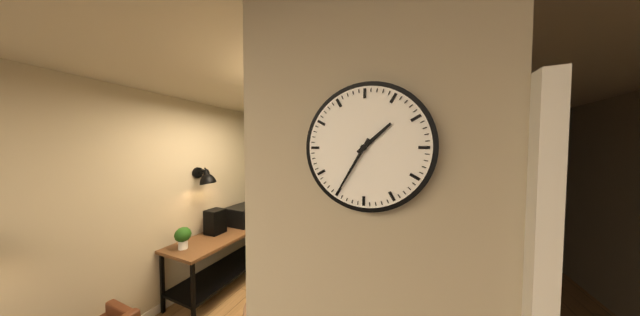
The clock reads h=1 m=35
